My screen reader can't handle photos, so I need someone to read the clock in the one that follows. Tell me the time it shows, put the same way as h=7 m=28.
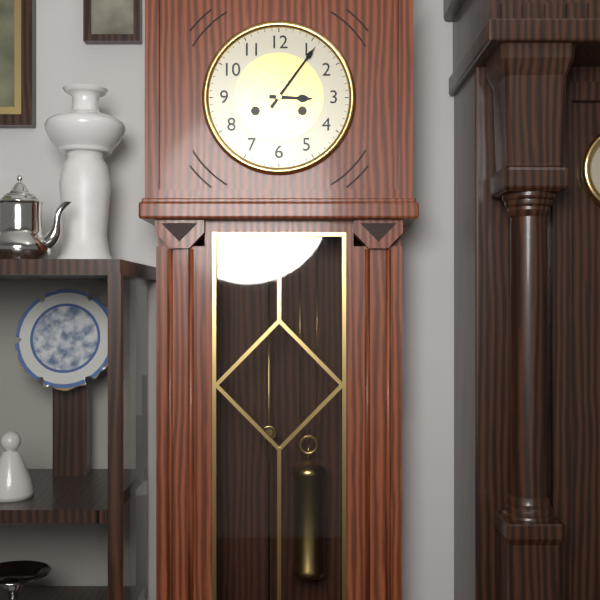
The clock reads h=3 m=6
